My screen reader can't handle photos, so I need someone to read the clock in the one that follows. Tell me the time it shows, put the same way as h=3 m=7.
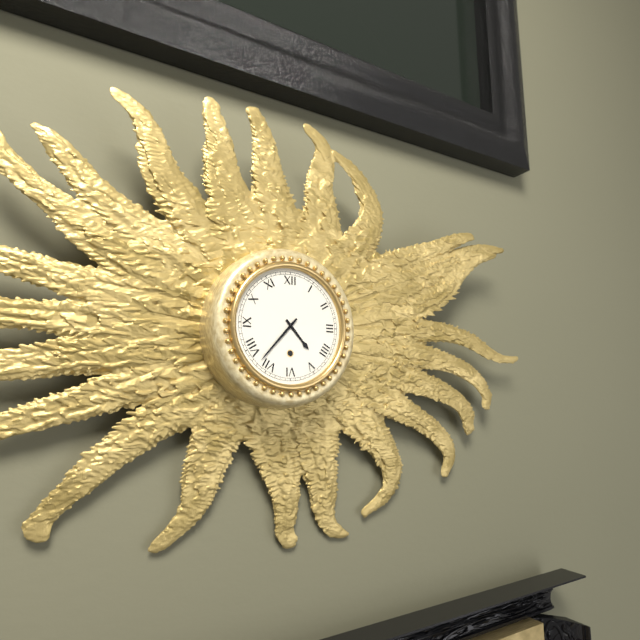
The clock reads h=4 m=37
